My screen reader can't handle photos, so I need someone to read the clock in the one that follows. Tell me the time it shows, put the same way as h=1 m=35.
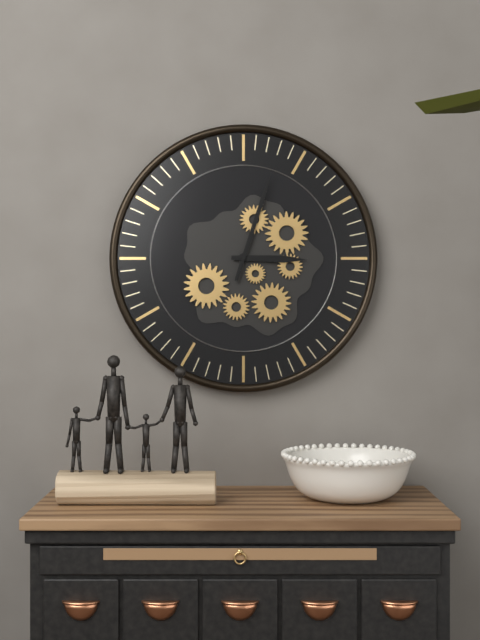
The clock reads h=3 m=3
